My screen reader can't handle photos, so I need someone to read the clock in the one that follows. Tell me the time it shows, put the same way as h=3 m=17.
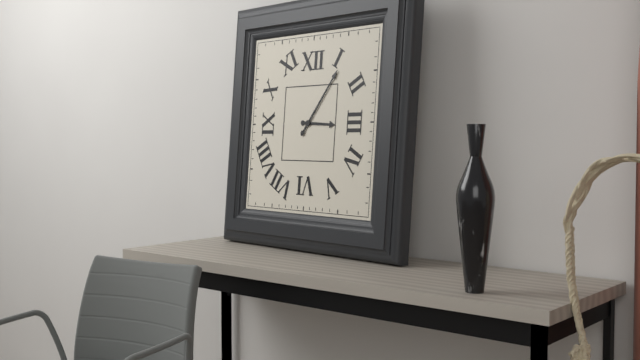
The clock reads h=3 m=6
